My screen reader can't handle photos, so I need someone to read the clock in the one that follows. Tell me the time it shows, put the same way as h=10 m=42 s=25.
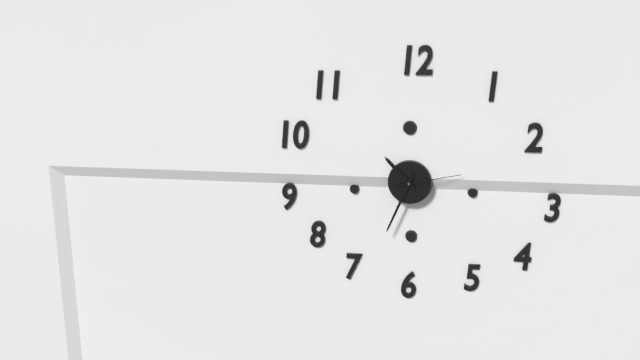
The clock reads h=10 m=34 s=13
